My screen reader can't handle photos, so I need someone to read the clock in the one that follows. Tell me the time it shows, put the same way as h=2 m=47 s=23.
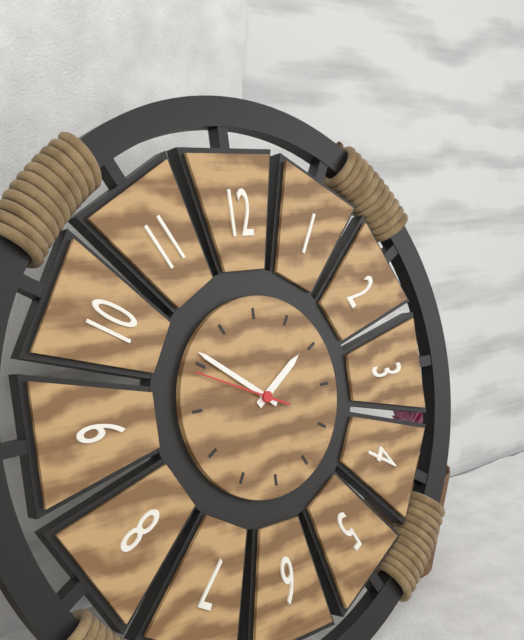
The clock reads h=1 m=51 s=49
